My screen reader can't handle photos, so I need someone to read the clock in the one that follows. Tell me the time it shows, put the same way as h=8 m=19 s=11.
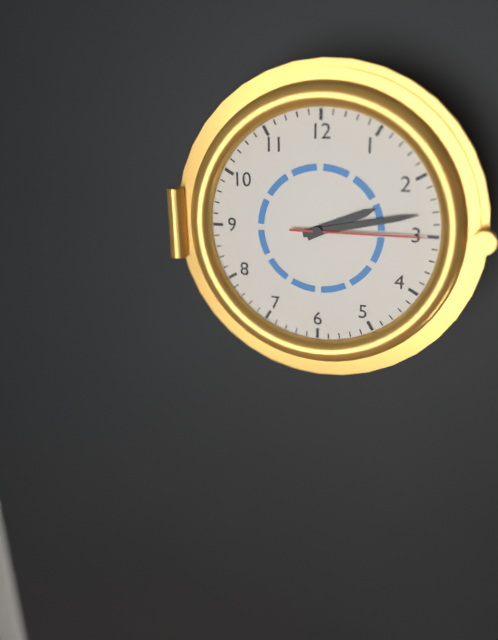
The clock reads h=2 m=13 s=15
